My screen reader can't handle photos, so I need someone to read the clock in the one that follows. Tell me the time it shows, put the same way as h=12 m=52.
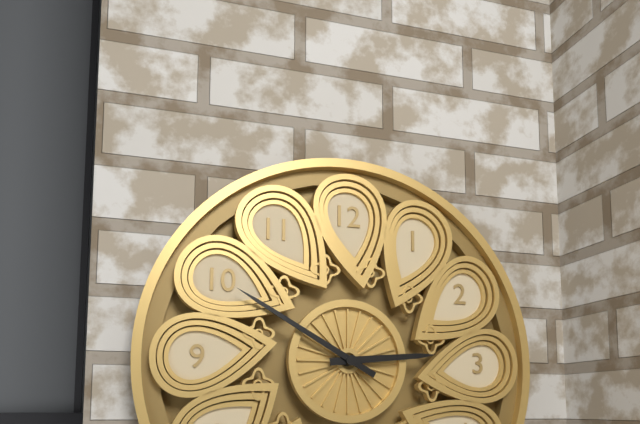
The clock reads h=2 m=50
